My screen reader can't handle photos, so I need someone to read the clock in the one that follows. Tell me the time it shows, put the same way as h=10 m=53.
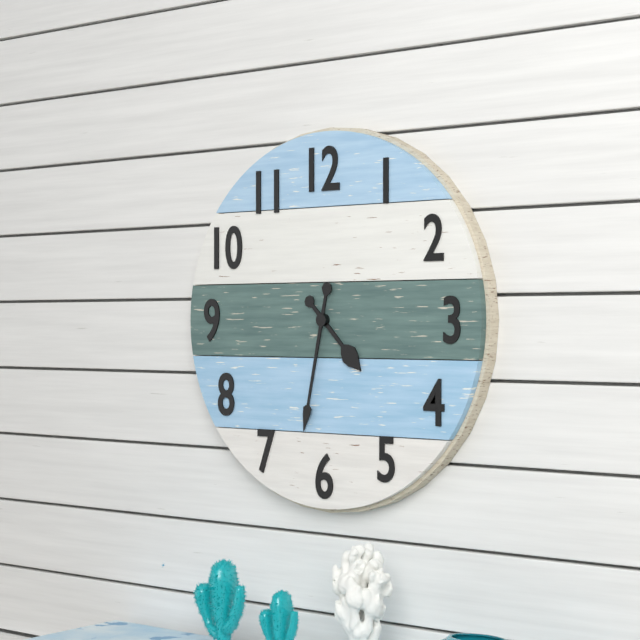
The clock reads h=4 m=32
